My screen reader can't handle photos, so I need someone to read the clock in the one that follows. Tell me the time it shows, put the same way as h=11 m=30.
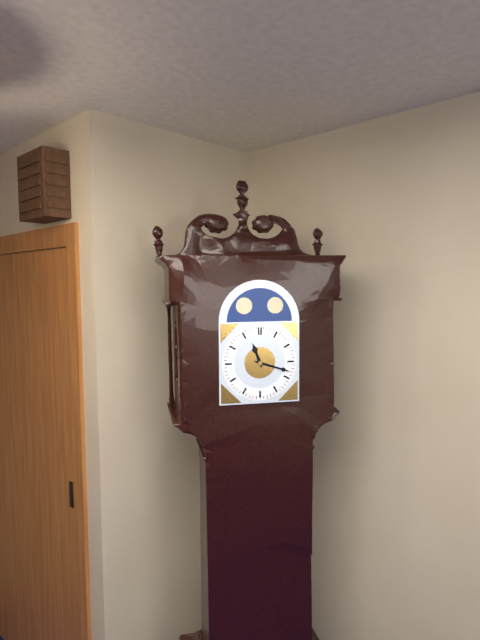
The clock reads h=11 m=18
